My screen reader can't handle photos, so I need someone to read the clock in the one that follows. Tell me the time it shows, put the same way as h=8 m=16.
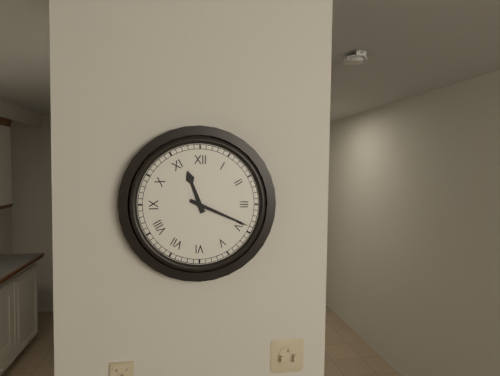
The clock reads h=11 m=19
